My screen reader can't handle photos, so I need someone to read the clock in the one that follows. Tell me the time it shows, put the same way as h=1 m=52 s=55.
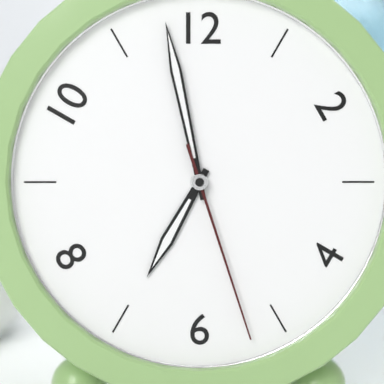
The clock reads h=6 m=58 s=27
